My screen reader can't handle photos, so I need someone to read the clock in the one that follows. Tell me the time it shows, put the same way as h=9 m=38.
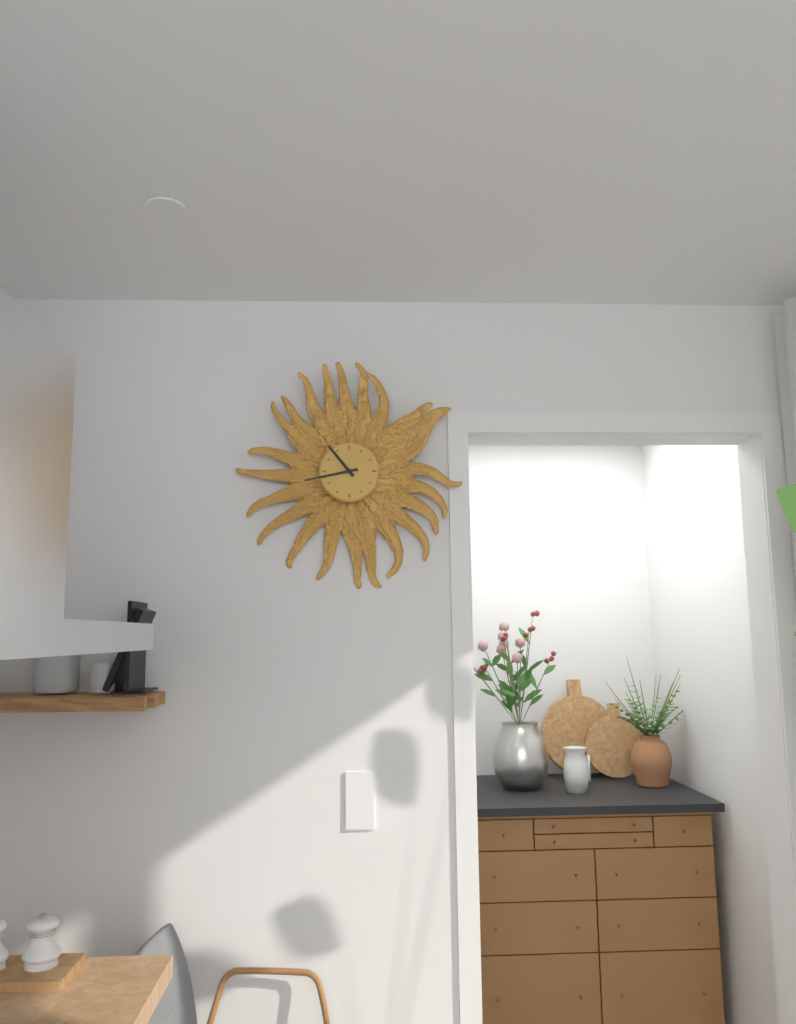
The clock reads h=10 m=43
